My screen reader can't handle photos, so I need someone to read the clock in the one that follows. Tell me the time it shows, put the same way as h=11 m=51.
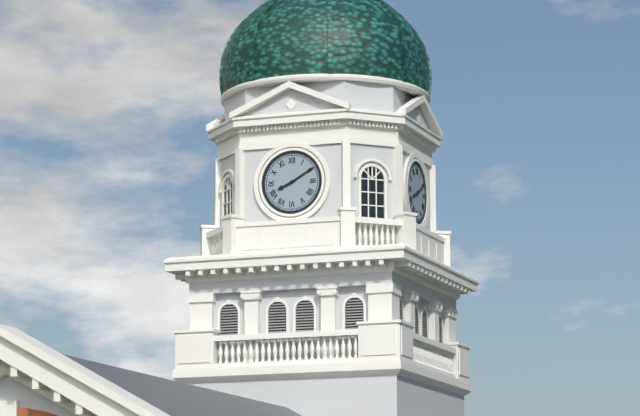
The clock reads h=8 m=10
